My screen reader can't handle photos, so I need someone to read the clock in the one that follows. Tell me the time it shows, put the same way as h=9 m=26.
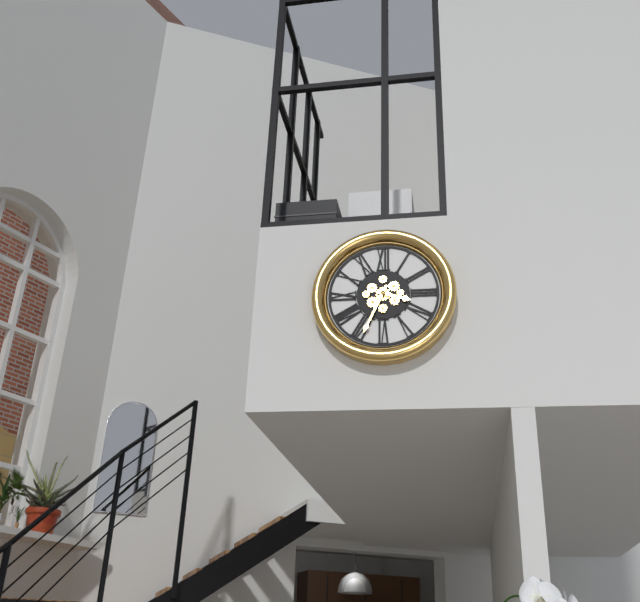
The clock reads h=3 m=34
